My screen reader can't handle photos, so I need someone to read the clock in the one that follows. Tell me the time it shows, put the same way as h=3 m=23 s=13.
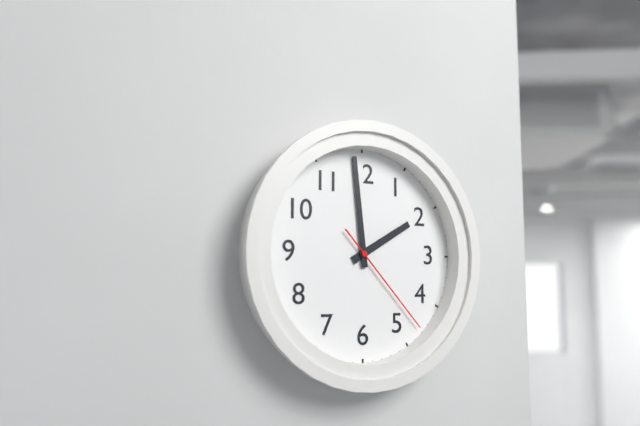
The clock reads h=1 m=59 s=23
